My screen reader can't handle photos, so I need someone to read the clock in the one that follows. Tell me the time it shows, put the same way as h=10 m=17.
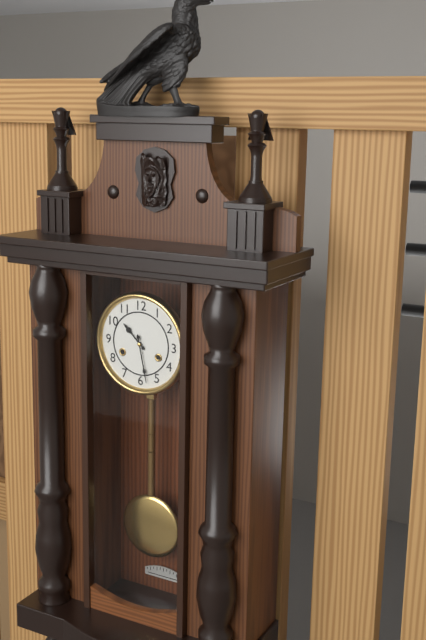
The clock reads h=10 m=28
